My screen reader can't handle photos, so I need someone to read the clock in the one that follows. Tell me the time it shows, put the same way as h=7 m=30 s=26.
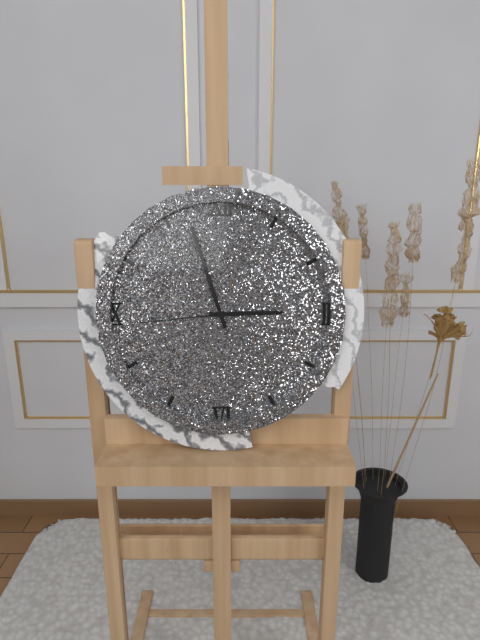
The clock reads h=2 m=57 s=44
